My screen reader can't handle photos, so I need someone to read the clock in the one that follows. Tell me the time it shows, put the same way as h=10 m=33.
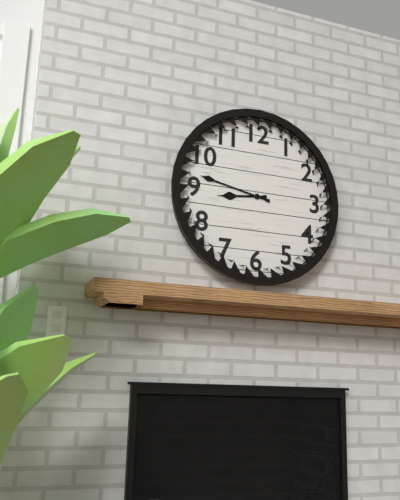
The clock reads h=8 m=47
